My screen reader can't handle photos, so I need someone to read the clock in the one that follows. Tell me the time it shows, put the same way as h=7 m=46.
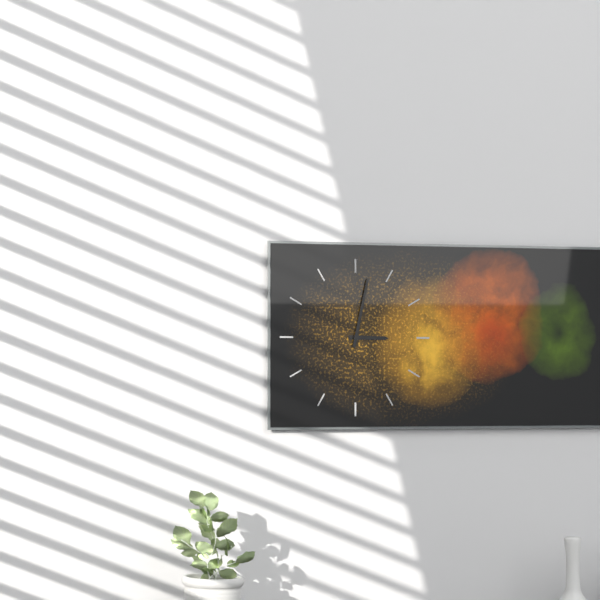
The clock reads h=3 m=2
